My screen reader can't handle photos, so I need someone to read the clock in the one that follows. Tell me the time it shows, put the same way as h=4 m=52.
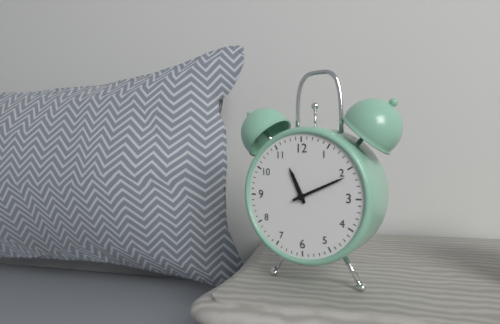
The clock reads h=11 m=11
